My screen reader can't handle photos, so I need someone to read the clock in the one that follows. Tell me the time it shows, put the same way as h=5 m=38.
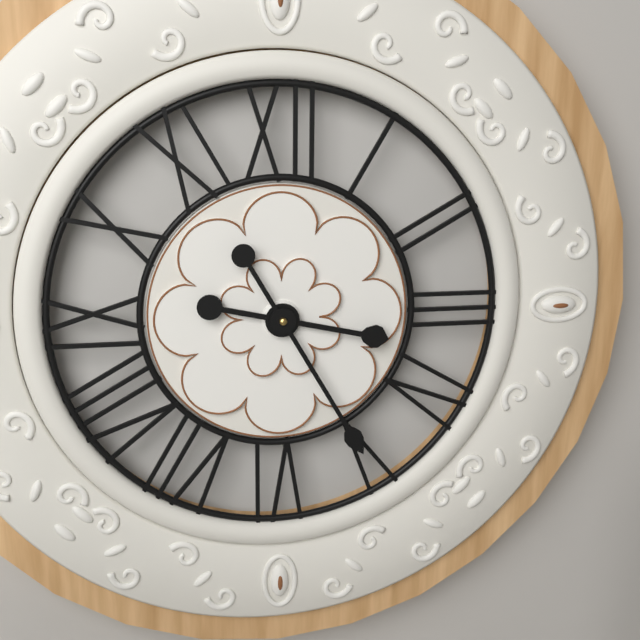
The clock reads h=3 m=25
